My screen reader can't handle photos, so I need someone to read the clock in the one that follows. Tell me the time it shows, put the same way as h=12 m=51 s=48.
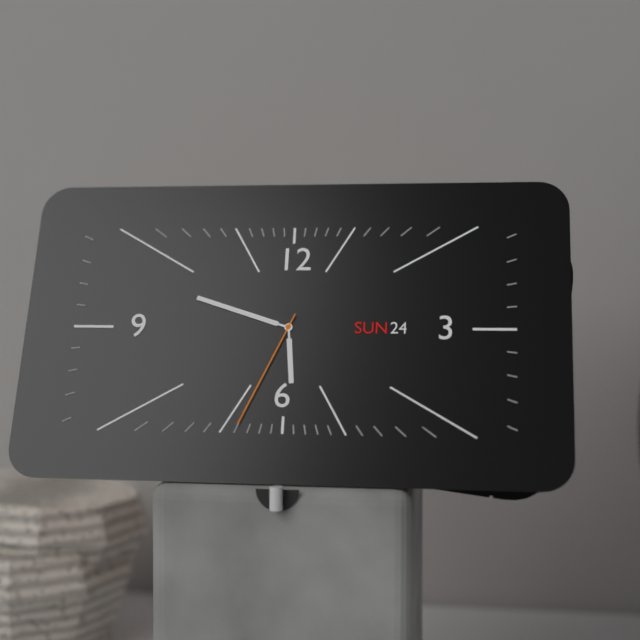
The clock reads h=5 m=48 s=34
